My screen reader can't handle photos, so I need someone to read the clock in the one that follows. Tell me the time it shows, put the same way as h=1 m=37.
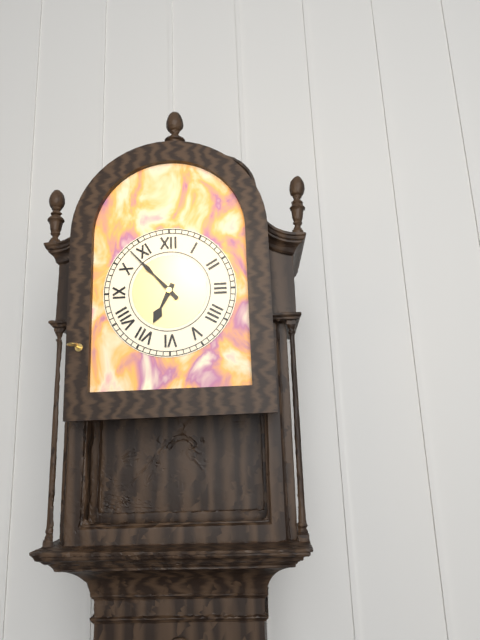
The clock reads h=6 m=53
